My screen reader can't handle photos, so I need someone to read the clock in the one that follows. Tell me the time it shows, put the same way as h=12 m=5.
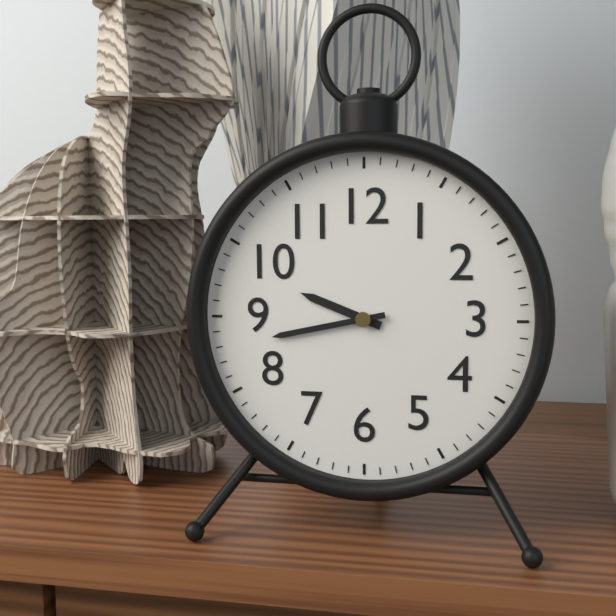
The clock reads h=9 m=43
